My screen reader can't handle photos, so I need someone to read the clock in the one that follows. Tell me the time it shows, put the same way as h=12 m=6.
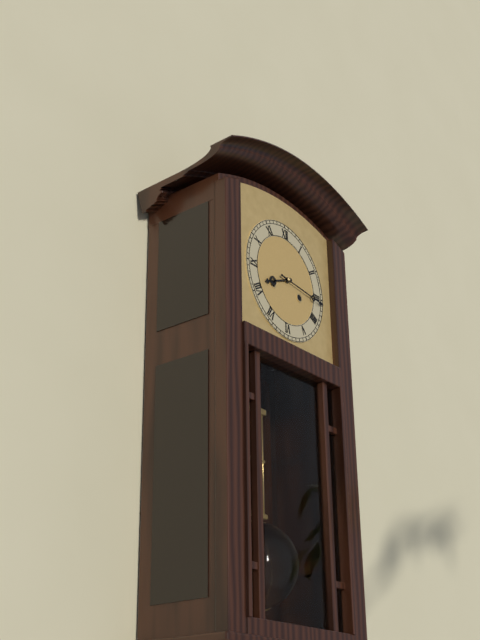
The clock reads h=8 m=16
